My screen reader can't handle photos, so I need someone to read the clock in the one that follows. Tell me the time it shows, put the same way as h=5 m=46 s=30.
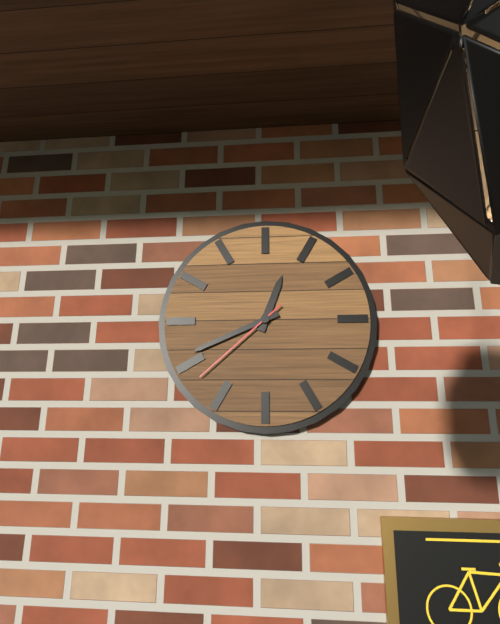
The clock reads h=12 m=41 s=38
